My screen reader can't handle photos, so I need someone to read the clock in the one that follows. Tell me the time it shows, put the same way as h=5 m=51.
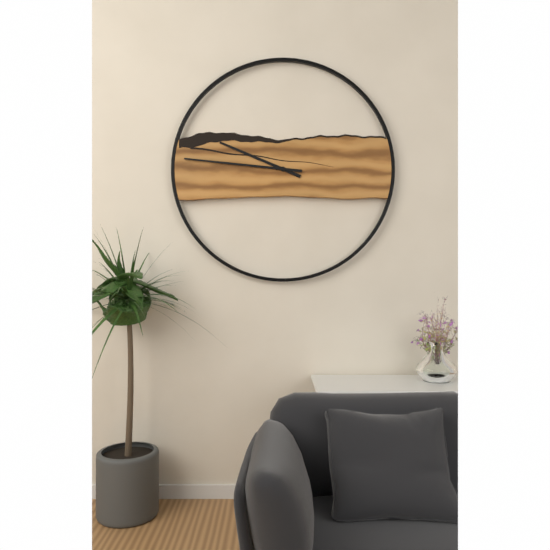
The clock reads h=9 m=46
